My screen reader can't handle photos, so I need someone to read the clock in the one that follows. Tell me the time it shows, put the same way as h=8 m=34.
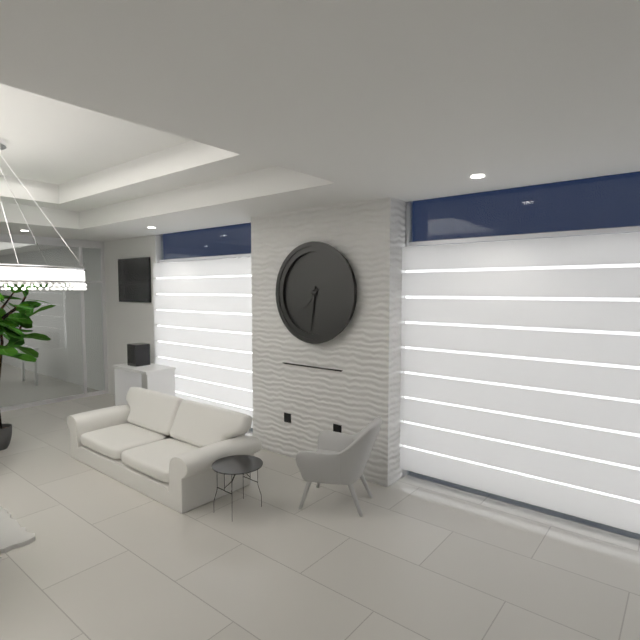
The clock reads h=7 m=31
